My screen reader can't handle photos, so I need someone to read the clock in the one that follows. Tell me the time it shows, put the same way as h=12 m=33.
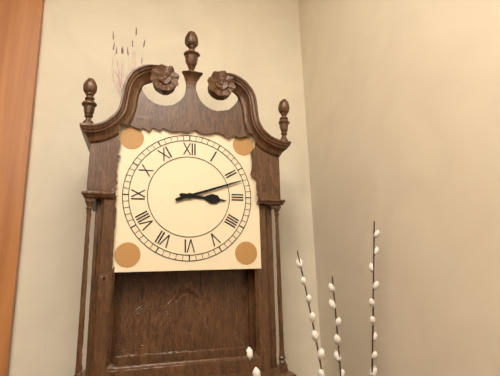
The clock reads h=3 m=12
